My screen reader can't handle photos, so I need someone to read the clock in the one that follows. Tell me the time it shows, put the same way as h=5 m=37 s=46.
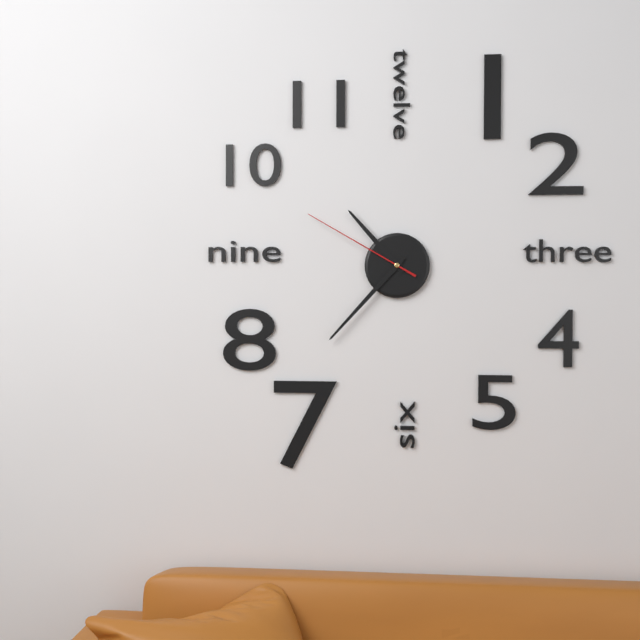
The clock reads h=10 m=37 s=50
